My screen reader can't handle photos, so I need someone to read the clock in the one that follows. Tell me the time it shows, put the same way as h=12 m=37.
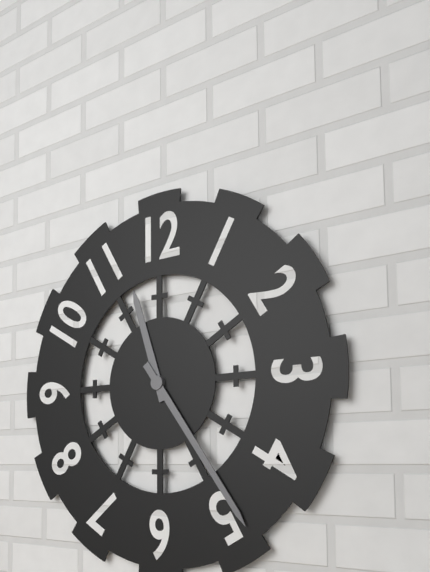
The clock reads h=11 m=24
